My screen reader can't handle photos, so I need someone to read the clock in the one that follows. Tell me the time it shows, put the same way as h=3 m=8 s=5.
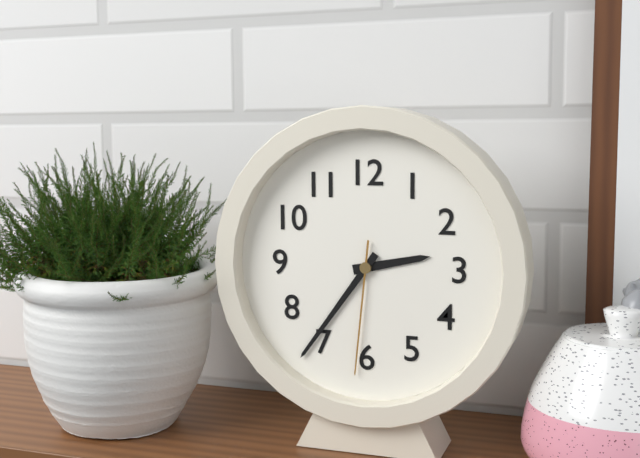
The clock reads h=2 m=36 s=31
